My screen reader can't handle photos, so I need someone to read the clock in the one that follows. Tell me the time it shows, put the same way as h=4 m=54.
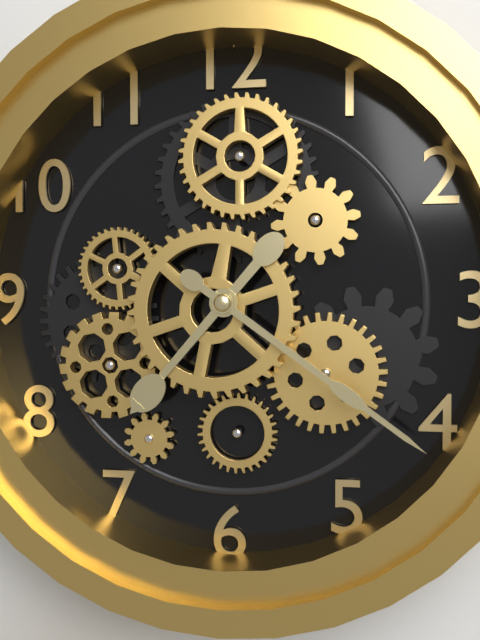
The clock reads h=7 m=21
